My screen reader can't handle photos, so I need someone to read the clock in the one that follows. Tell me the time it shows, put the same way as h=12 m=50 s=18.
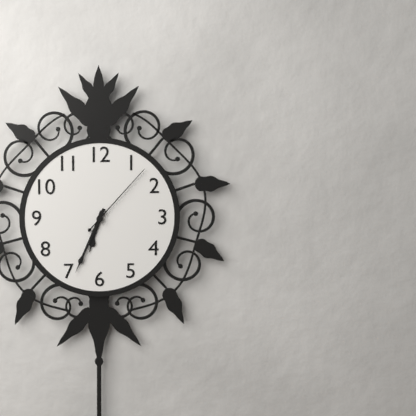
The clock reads h=6 m=34 s=7
